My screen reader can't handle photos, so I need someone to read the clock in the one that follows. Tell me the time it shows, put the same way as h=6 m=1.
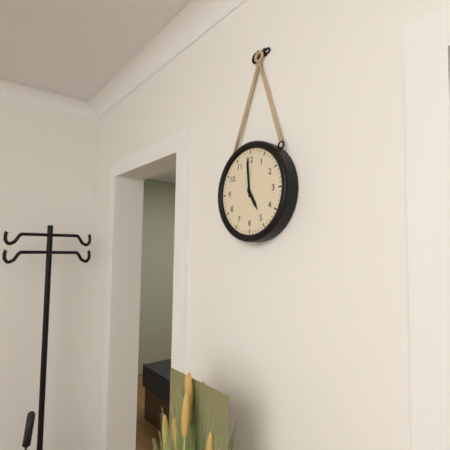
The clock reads h=4 m=59
